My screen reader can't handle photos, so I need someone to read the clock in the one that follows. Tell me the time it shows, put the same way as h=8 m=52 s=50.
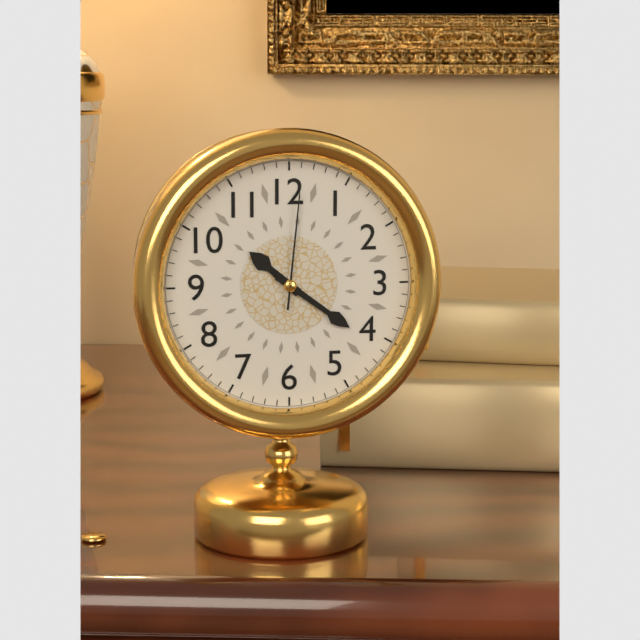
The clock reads h=10 m=21 s=1
